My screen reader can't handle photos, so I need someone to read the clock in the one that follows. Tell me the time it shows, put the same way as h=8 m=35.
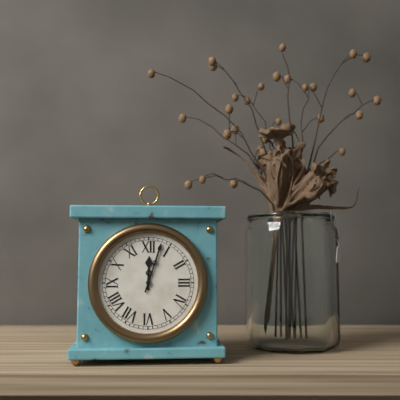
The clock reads h=12 m=3
